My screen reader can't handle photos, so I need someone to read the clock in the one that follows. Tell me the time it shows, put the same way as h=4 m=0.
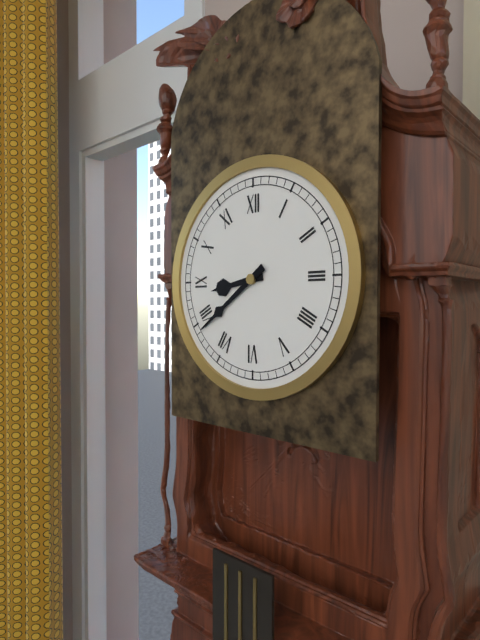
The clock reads h=8 m=39
